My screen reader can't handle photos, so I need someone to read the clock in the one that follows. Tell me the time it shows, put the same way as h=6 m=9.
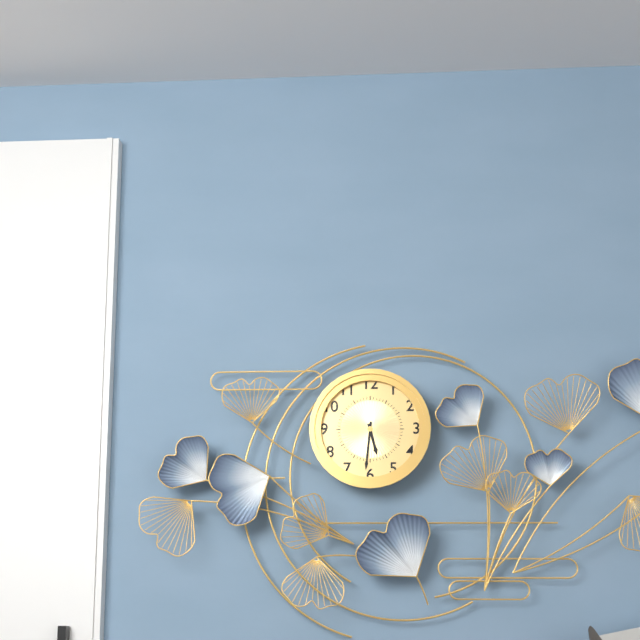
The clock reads h=5 m=31
